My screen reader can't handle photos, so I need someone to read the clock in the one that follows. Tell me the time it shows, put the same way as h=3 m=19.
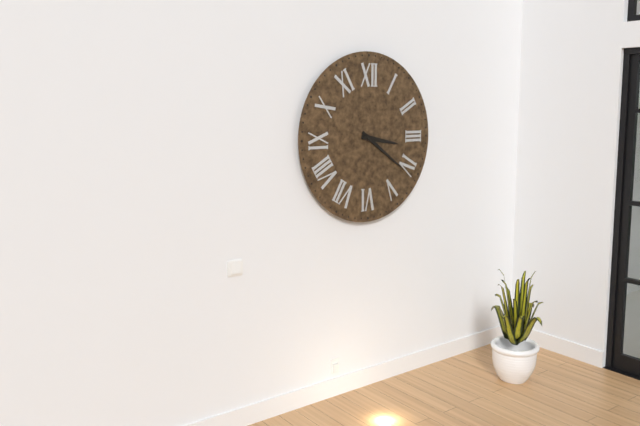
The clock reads h=3 m=21
